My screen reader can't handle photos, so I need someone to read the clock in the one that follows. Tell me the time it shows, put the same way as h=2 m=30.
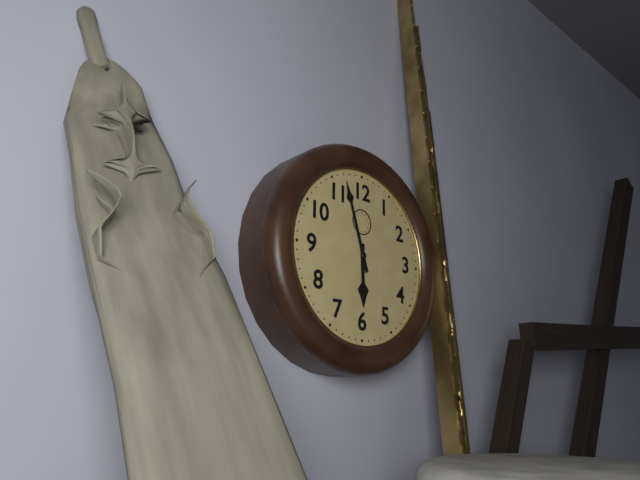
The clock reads h=5 m=57
